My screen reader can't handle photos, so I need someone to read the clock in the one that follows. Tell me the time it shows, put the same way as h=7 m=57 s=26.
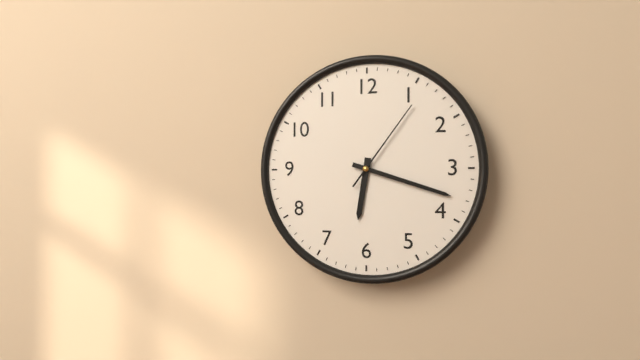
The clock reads h=6 m=18 s=6
